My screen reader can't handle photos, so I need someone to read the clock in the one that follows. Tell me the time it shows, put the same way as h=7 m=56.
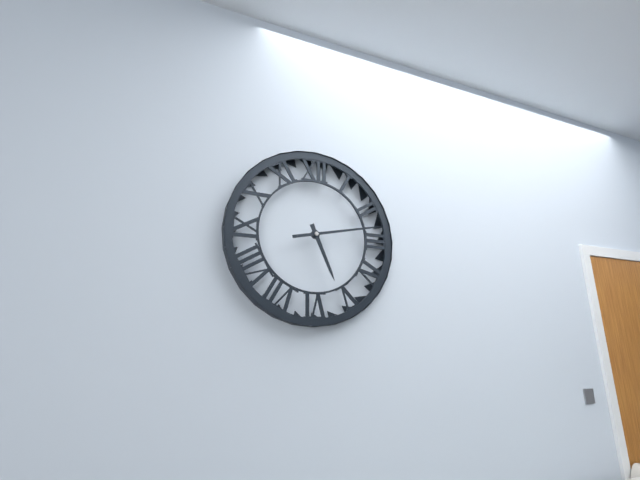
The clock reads h=5 m=13
